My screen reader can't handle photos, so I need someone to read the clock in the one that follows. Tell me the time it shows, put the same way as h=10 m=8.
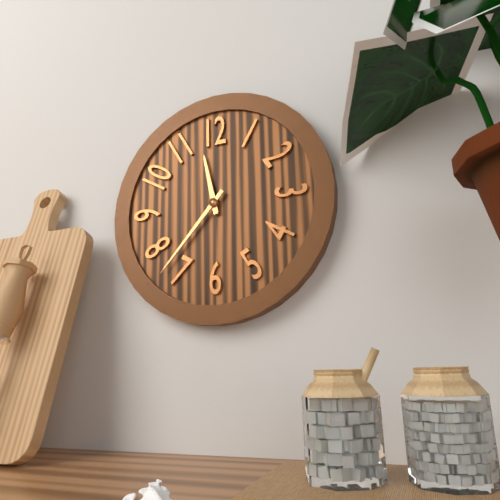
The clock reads h=11 m=37
